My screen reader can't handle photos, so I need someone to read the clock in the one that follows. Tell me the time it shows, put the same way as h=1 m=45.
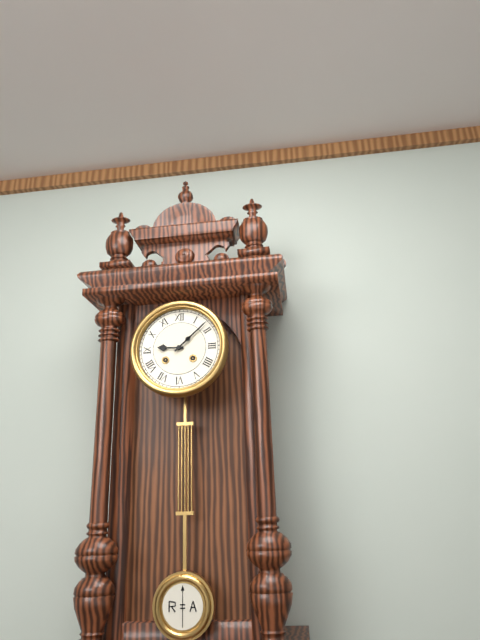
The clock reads h=9 m=8
